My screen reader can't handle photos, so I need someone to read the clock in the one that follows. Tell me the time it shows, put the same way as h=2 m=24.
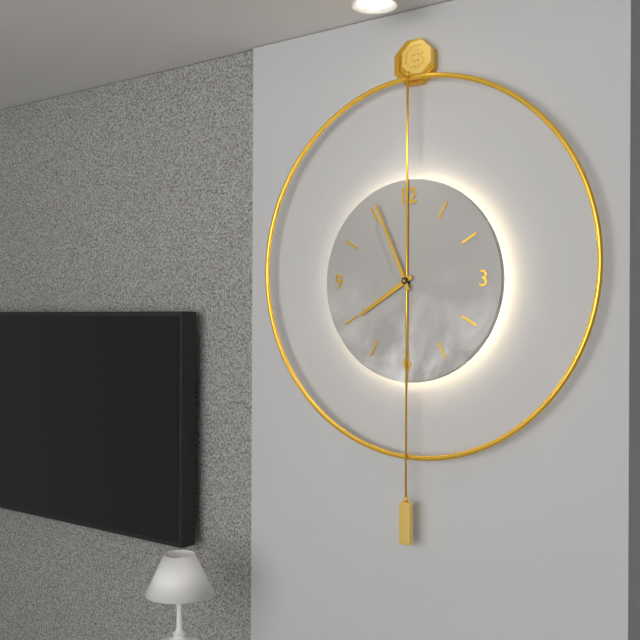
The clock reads h=7 m=56
